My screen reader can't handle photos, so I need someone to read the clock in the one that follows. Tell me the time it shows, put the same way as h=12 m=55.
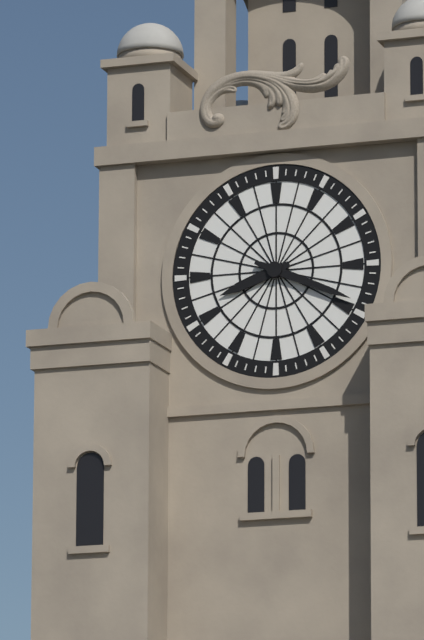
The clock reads h=8 m=19
